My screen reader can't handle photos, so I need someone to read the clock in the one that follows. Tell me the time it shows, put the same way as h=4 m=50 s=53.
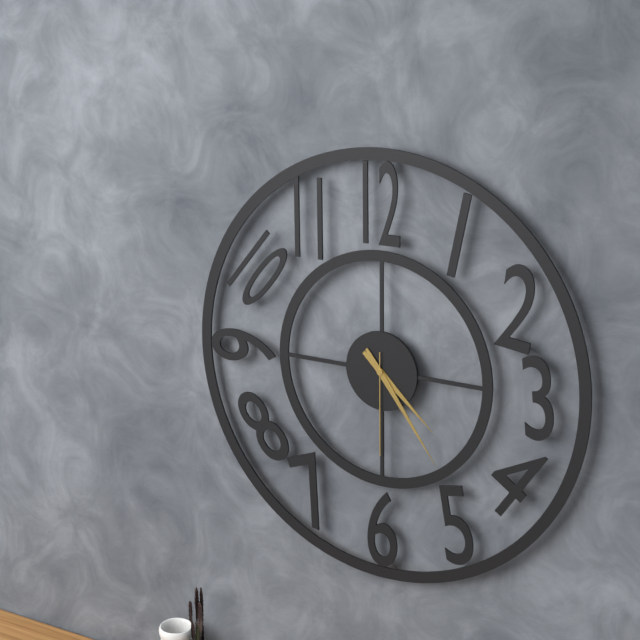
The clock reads h=4 m=24 s=30
